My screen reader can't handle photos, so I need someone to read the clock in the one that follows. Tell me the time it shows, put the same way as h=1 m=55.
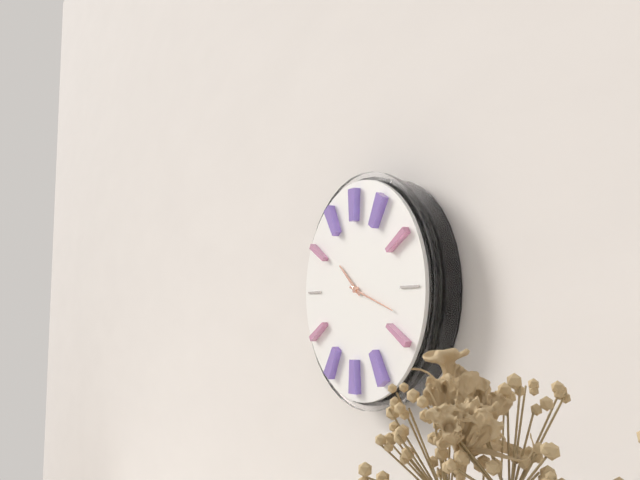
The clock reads h=10 m=18
